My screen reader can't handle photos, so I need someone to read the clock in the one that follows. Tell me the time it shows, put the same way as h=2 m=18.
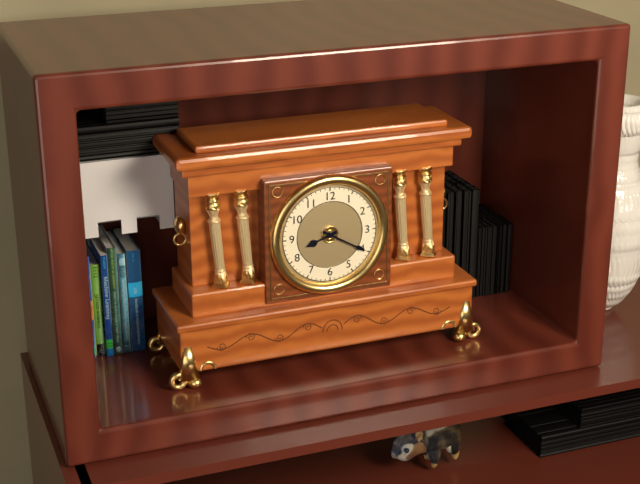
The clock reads h=8 m=20
